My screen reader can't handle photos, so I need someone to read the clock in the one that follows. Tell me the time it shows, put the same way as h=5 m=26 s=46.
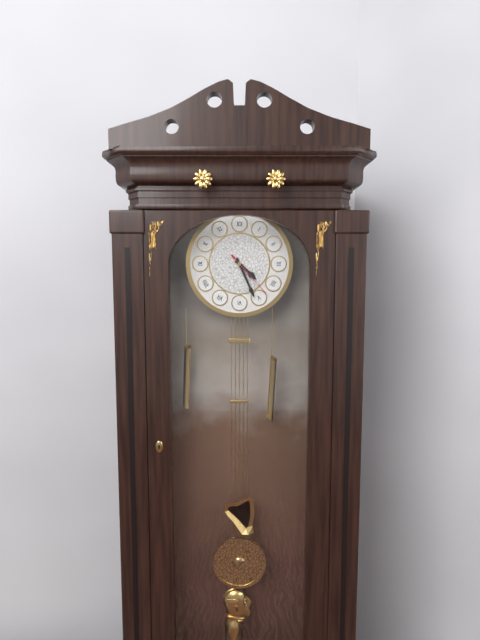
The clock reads h=4 m=26 s=23
